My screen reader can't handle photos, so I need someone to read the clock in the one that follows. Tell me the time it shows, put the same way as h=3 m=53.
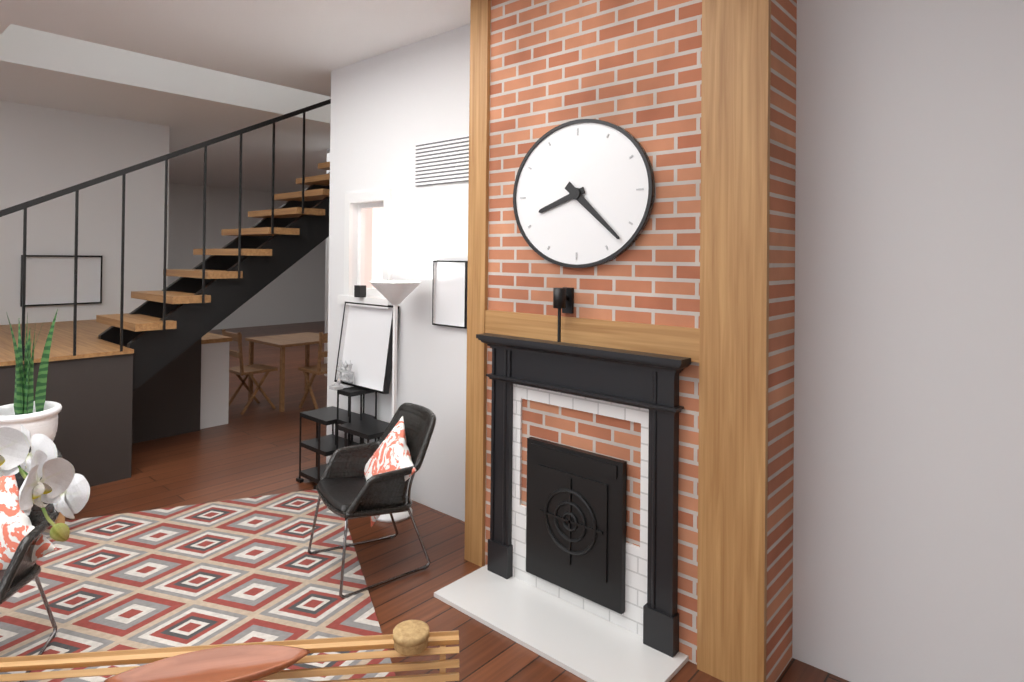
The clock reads h=8 m=22
